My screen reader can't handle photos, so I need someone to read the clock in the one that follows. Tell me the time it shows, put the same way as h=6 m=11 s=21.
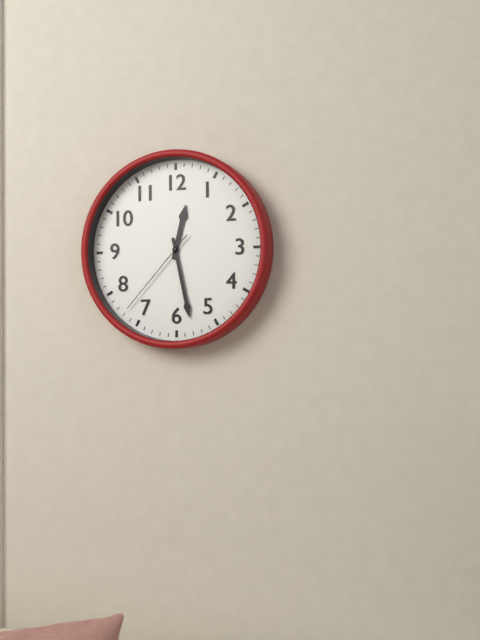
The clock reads h=12 m=28 s=37
